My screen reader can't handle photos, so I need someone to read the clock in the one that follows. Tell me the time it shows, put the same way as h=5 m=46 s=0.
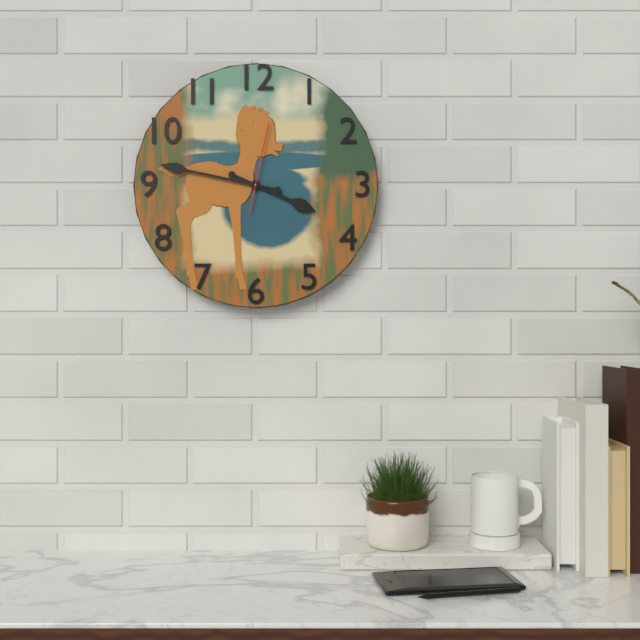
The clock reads h=3 m=47 s=2
